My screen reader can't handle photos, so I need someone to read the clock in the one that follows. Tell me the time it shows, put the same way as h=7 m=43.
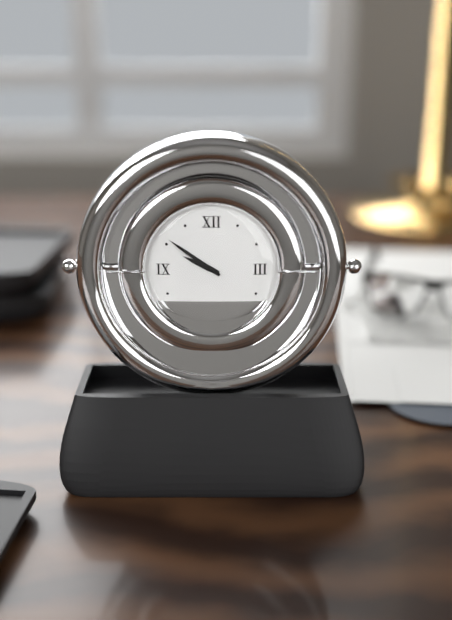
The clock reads h=9 m=51
